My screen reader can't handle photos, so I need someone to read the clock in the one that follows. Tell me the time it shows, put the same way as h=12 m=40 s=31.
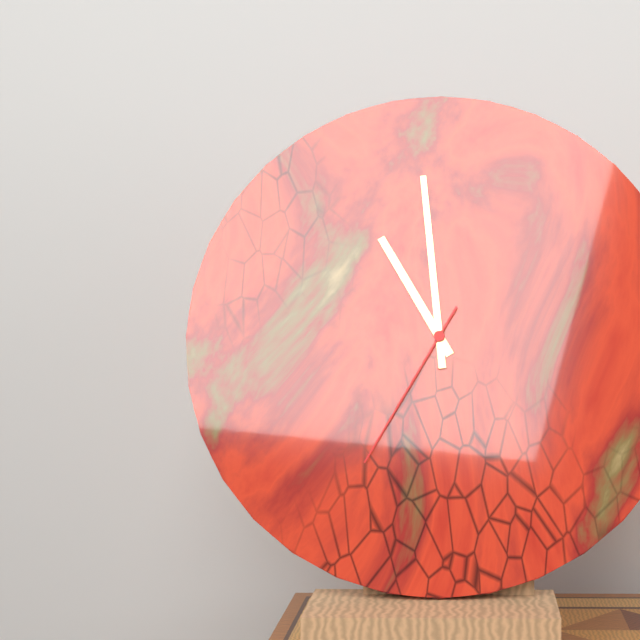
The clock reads h=10 m=59 s=35
